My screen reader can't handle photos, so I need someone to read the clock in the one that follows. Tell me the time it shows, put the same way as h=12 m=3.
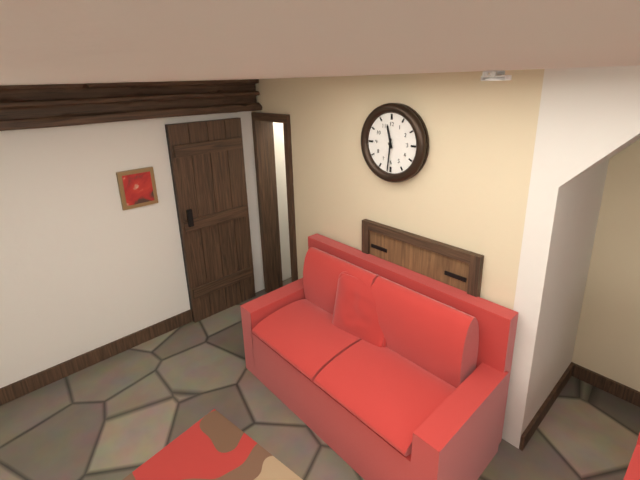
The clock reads h=11 m=31
